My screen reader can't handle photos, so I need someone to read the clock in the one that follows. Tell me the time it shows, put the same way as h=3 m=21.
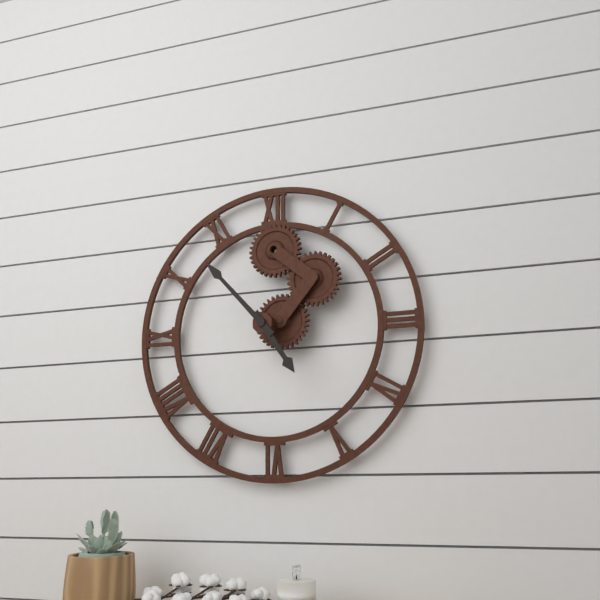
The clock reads h=4 m=53
